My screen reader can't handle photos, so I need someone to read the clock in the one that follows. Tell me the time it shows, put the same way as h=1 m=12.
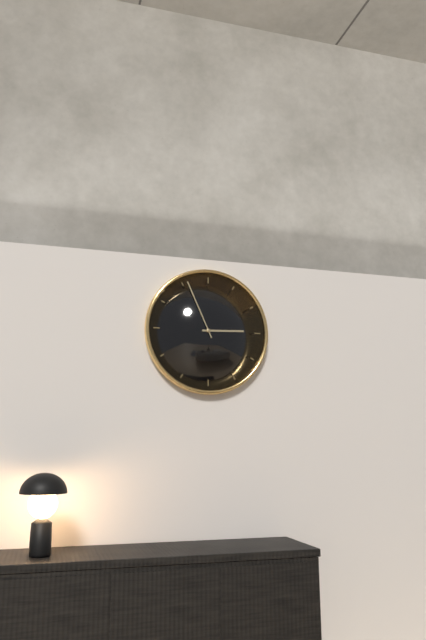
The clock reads h=2 m=56
